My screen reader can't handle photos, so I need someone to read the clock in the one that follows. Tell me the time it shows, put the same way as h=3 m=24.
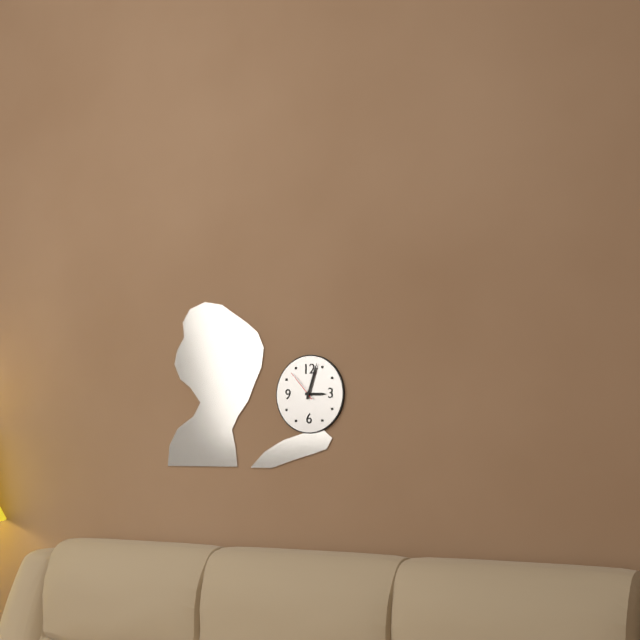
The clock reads h=3 m=3
